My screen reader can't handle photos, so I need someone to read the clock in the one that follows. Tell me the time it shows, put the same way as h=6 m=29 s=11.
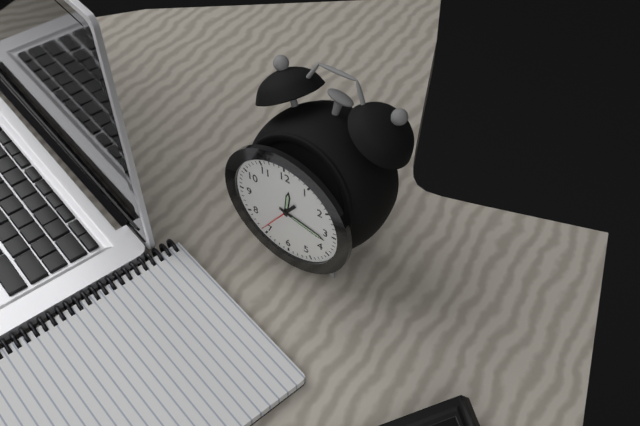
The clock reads h=12 m=17 s=36
